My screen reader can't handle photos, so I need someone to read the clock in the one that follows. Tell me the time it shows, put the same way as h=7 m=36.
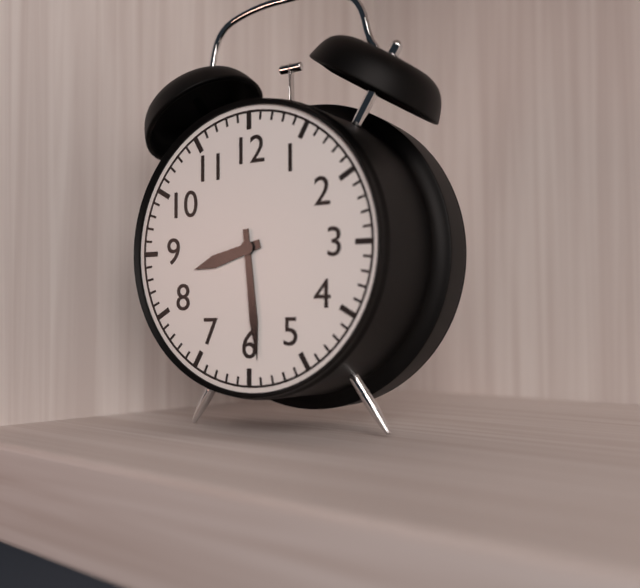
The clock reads h=8 m=29
